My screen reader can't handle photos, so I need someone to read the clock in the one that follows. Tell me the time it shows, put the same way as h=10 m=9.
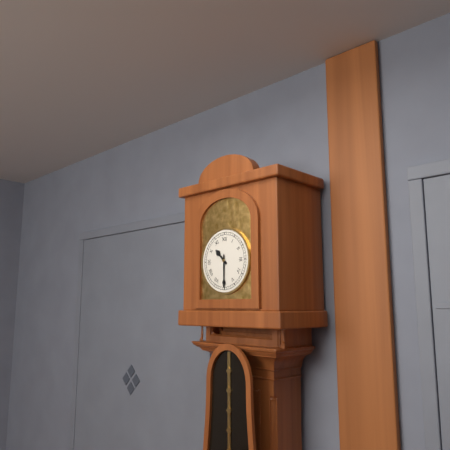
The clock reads h=10 m=30
